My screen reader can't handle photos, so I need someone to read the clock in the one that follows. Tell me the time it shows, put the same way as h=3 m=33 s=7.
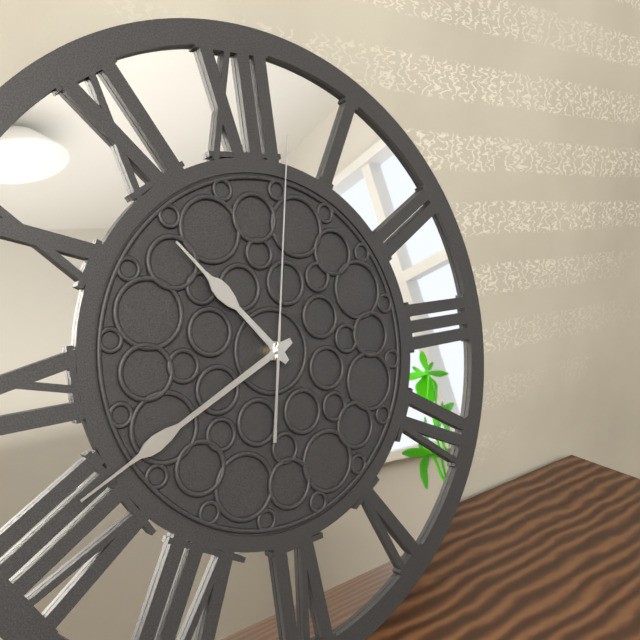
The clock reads h=10 m=41 s=2
